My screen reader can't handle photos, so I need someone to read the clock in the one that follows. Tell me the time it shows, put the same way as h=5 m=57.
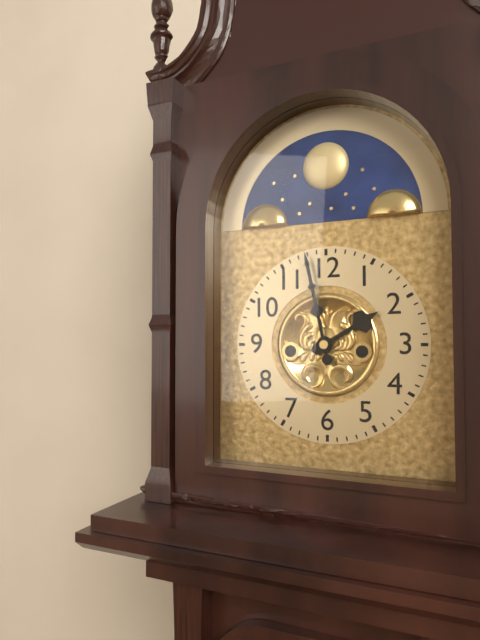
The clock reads h=1 m=58
